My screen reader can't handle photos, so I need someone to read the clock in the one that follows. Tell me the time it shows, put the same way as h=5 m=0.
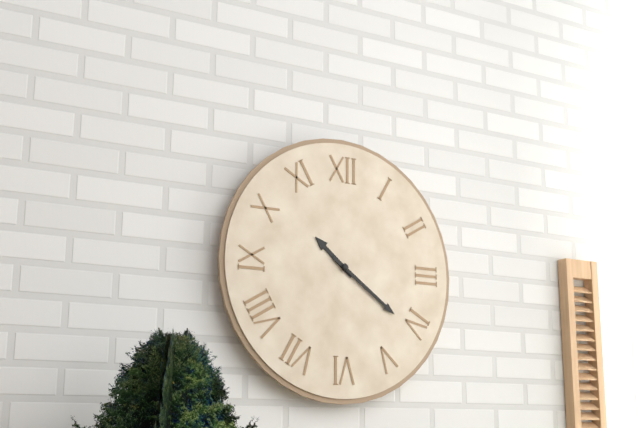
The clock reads h=10 m=21
